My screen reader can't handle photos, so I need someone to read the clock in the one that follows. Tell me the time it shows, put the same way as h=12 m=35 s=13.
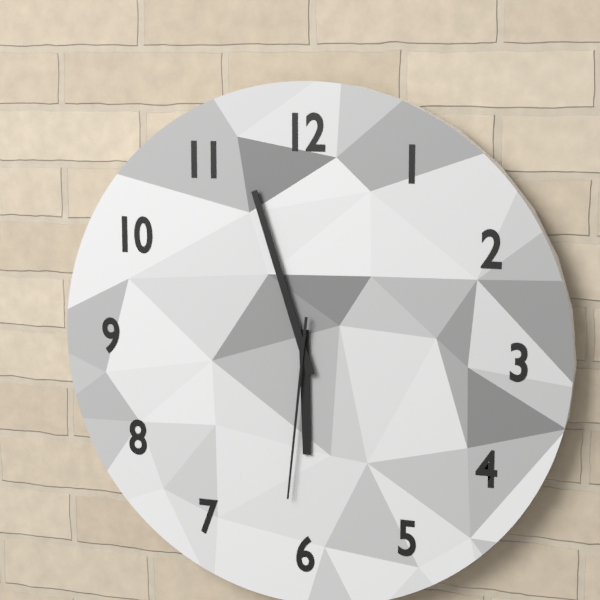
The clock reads h=5 m=57 s=31
